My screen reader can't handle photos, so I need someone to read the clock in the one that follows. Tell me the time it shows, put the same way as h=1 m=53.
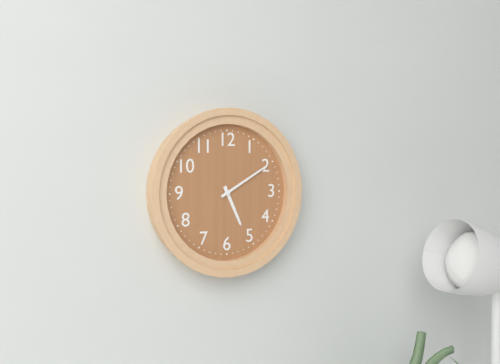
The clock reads h=5 m=10
